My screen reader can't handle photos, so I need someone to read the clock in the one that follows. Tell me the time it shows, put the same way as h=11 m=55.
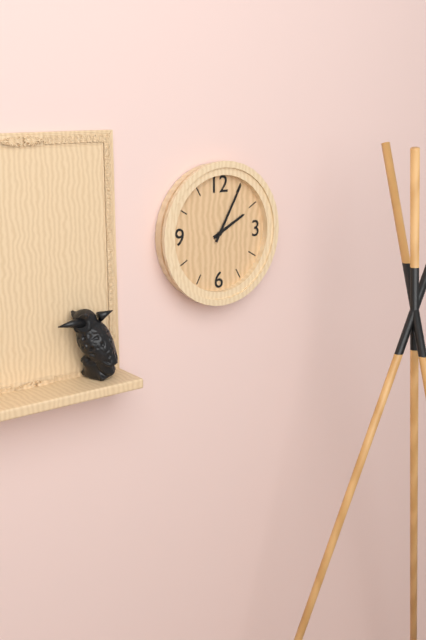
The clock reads h=2 m=5
